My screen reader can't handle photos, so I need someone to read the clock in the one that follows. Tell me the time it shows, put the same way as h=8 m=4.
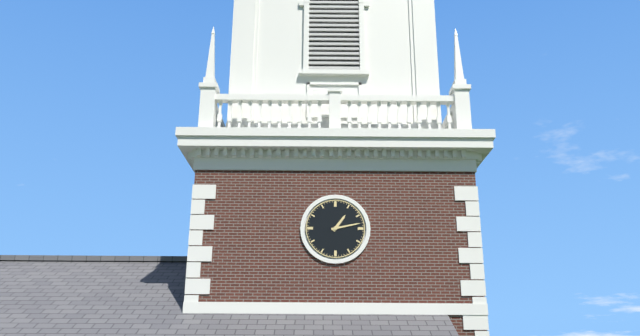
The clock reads h=1 m=13
